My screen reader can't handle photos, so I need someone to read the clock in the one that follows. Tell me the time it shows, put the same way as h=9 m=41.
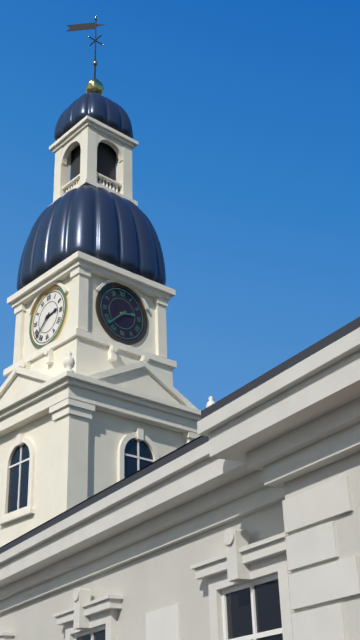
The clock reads h=2 m=38
